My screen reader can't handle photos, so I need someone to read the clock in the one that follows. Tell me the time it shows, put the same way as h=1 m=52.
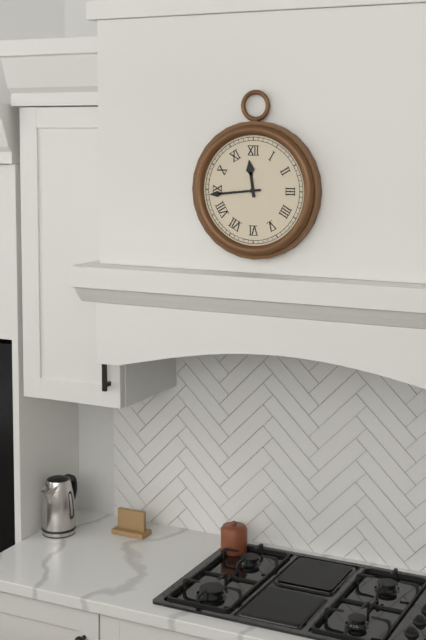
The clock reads h=11 m=44
